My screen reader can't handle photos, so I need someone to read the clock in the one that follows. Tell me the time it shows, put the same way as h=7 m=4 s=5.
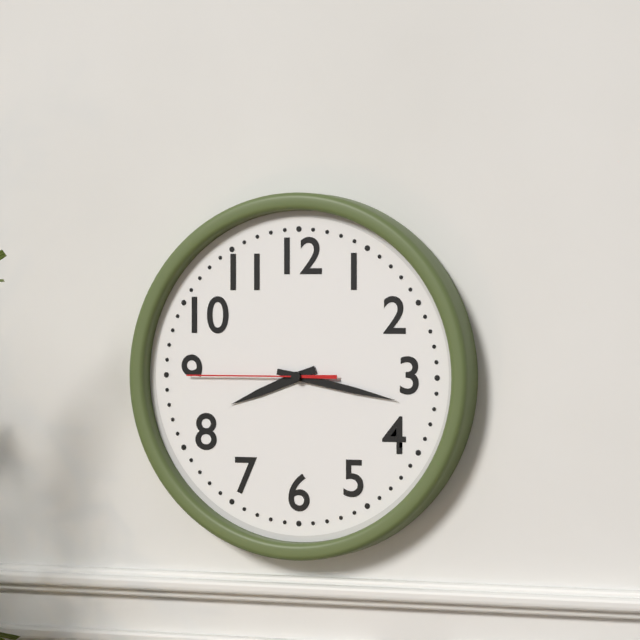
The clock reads h=8 m=17 s=45
